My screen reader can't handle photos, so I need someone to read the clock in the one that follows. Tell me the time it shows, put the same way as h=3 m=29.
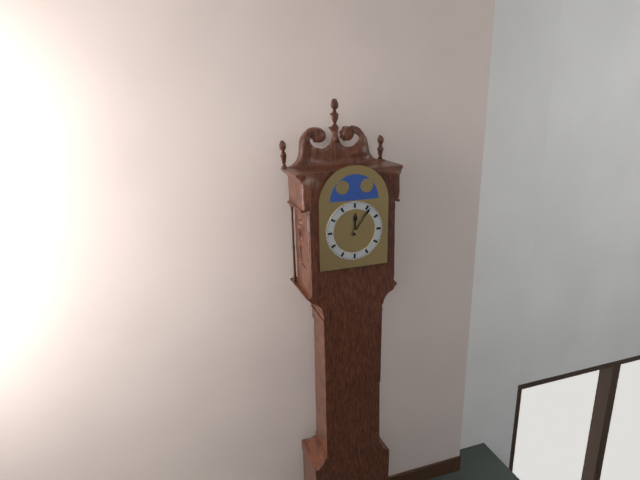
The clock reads h=12 m=6
